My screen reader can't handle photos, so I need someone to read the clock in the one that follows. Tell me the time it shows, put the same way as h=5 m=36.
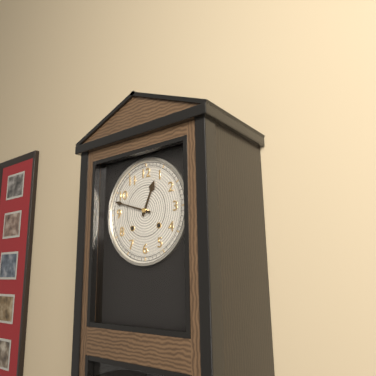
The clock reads h=12 m=48
